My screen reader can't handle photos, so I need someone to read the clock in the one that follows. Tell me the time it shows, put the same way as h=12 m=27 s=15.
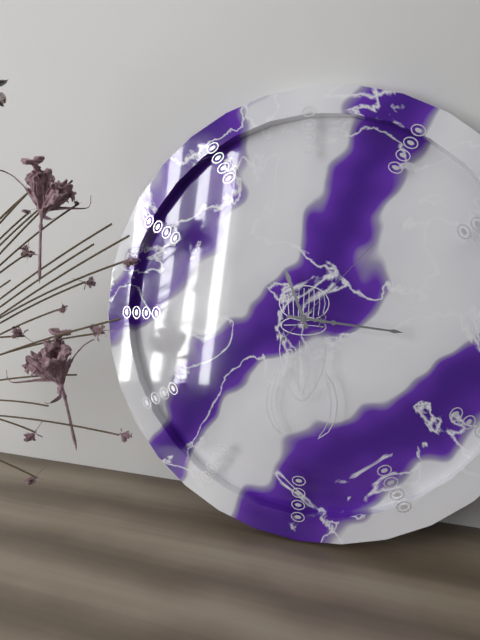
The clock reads h=11 m=16 s=7
